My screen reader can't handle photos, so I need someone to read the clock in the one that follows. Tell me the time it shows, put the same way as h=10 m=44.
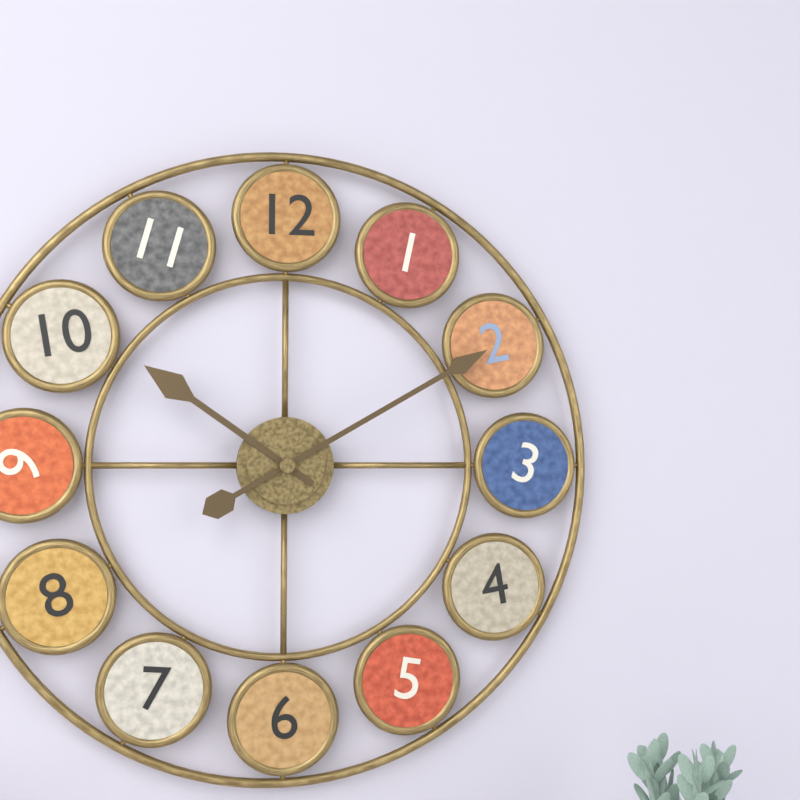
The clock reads h=10 m=10
